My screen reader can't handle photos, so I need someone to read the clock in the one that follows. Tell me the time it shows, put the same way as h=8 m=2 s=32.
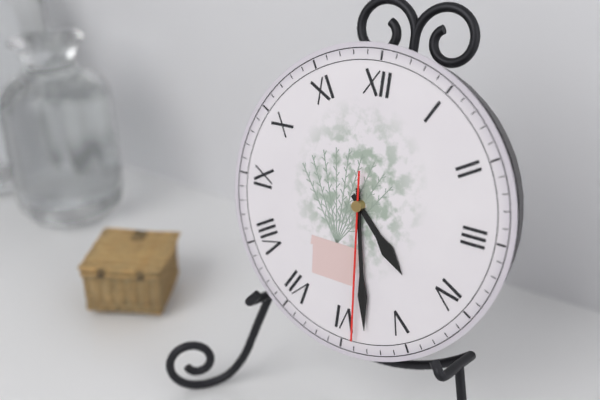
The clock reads h=4 m=28 s=29
